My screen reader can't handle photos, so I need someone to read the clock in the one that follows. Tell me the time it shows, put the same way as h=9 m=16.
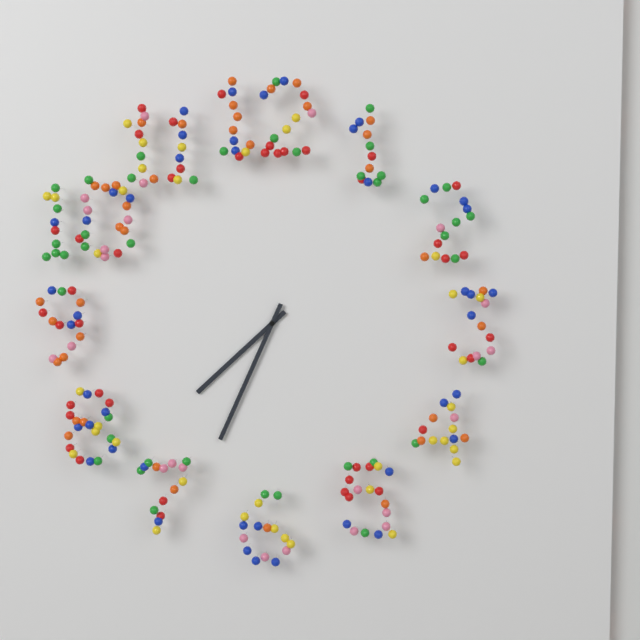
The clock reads h=7 m=34
